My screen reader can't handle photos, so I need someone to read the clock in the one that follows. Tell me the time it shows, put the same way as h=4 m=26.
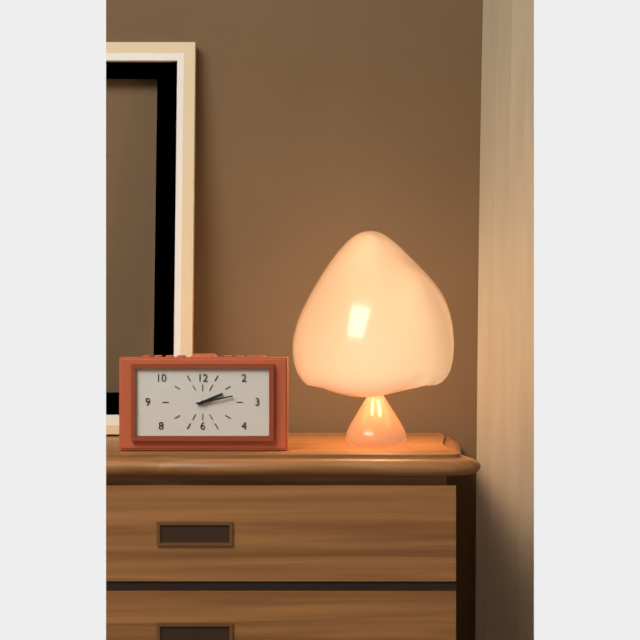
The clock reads h=2 m=13
